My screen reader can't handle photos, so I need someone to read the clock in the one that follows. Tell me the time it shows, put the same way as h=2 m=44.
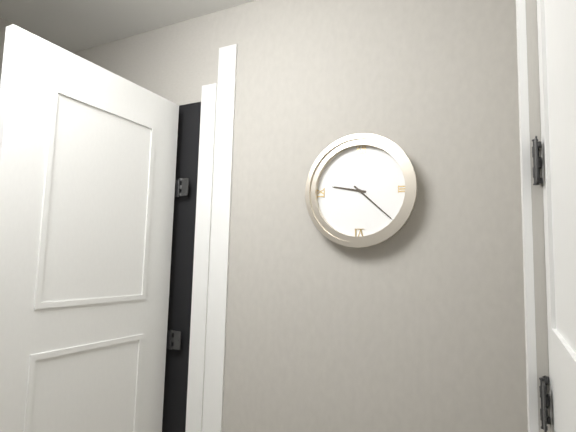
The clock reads h=9 m=22
